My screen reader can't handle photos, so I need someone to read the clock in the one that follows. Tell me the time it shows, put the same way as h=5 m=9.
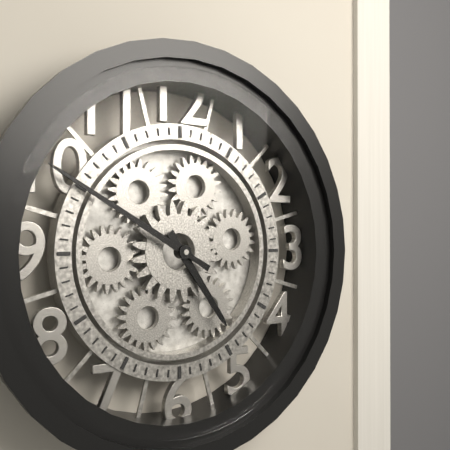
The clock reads h=4 m=50
